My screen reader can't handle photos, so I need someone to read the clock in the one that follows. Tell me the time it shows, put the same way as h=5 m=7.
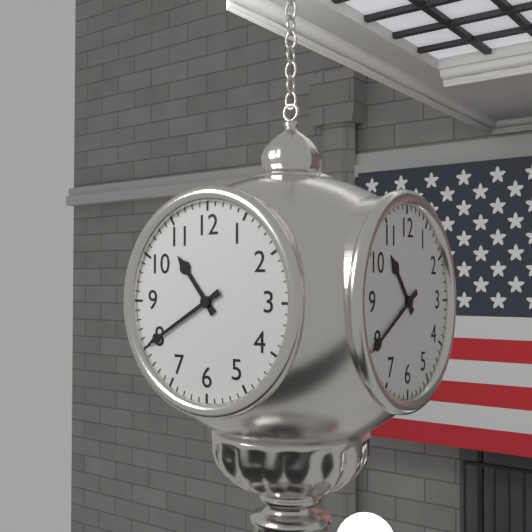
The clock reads h=10 m=40
